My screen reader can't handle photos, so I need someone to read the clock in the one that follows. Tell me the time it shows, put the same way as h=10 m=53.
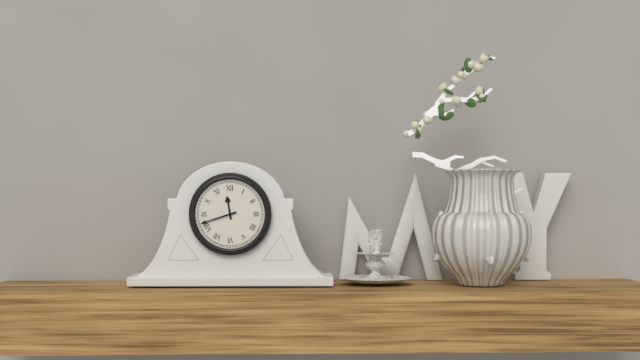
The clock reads h=11 m=42
